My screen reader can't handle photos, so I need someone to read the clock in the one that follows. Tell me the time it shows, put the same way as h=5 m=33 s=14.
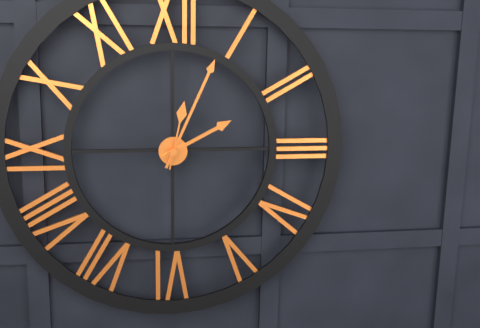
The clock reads h=2 m=4 s=2
